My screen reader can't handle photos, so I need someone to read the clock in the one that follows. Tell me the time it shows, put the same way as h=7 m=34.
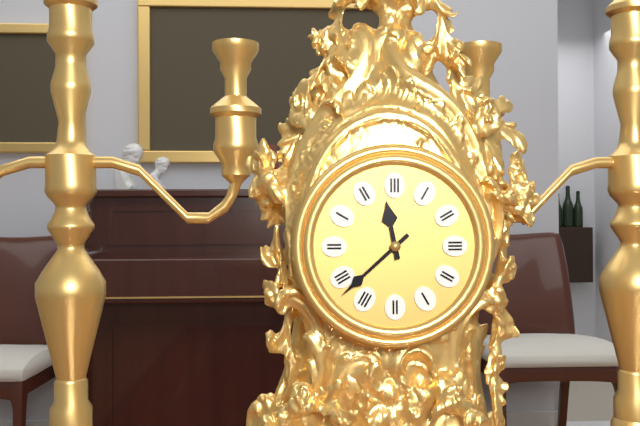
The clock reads h=11 m=38
